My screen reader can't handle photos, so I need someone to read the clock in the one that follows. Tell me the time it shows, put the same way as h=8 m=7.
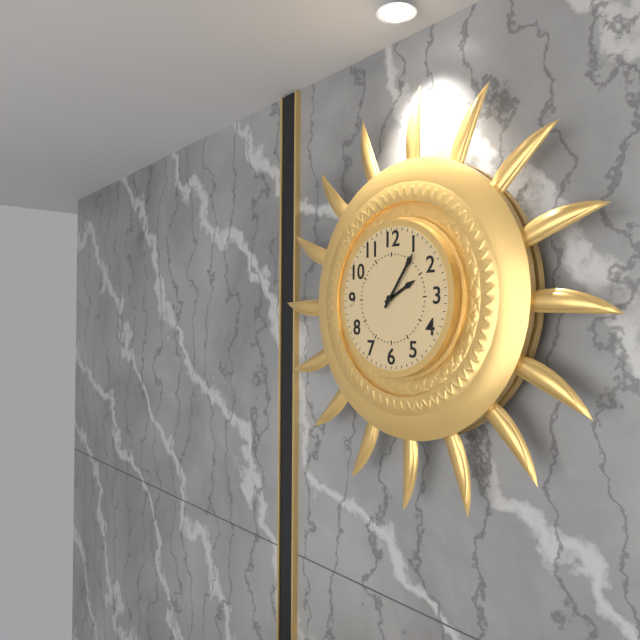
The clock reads h=2 m=6
